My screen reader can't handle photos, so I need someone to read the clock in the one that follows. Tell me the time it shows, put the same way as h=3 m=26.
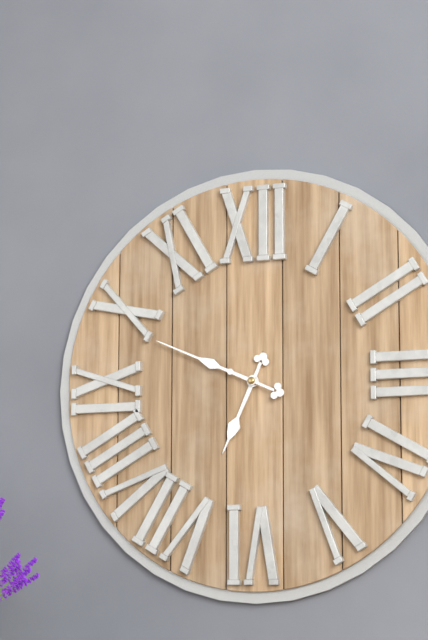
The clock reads h=6 m=49
